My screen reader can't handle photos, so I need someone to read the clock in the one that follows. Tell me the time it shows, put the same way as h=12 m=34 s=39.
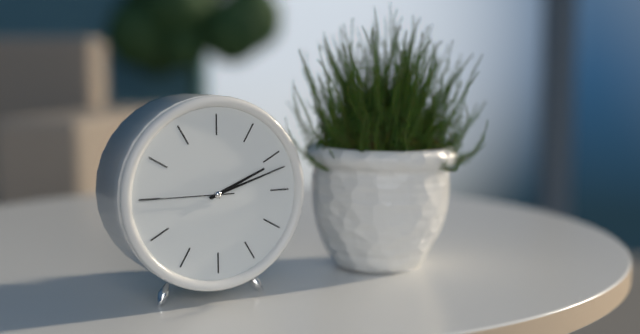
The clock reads h=2 m=12 s=45
